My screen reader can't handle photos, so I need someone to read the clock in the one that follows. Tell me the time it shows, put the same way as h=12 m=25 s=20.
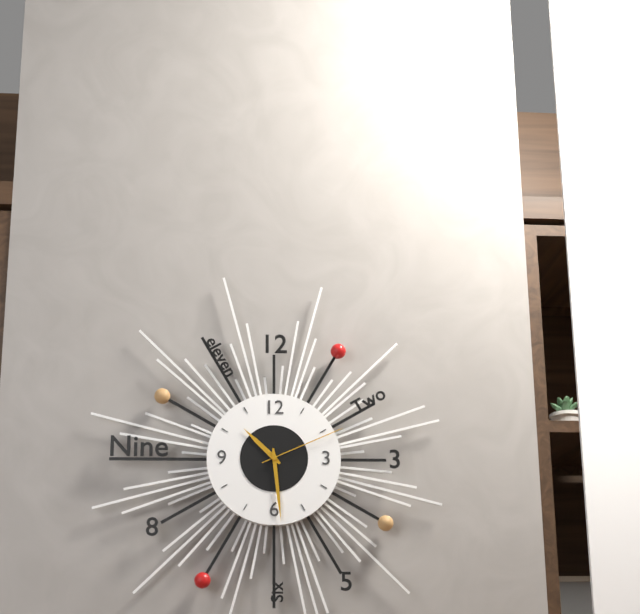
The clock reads h=10 m=29 s=11
